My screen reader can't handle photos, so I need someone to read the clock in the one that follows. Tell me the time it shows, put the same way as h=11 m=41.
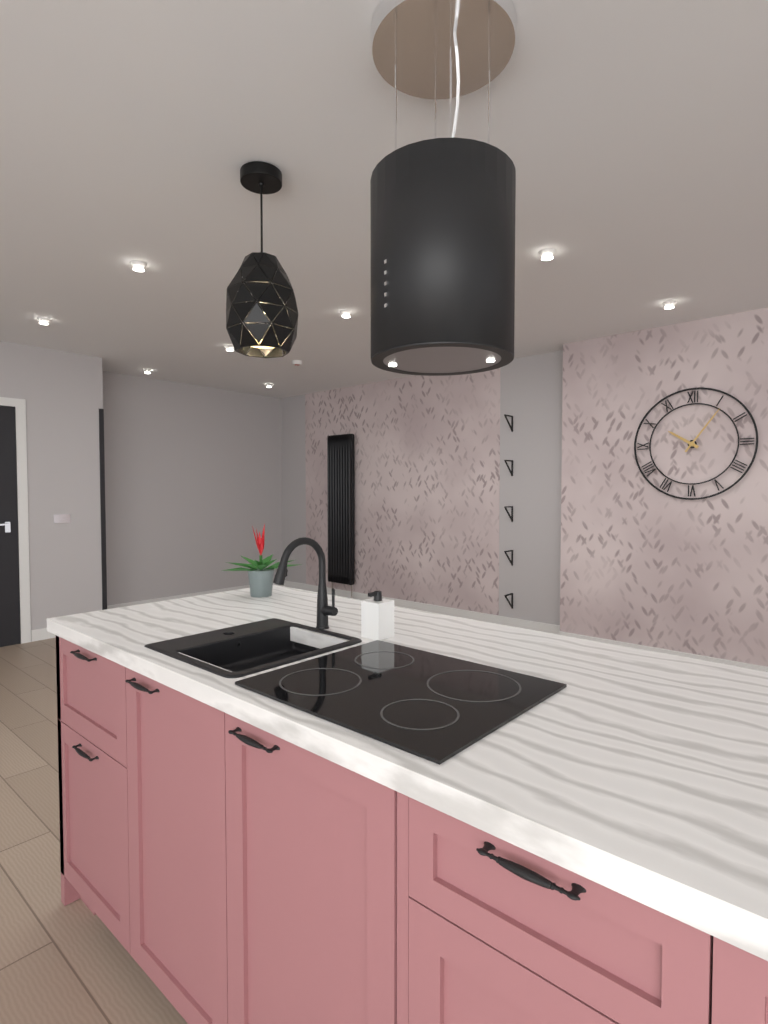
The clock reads h=10 m=6
